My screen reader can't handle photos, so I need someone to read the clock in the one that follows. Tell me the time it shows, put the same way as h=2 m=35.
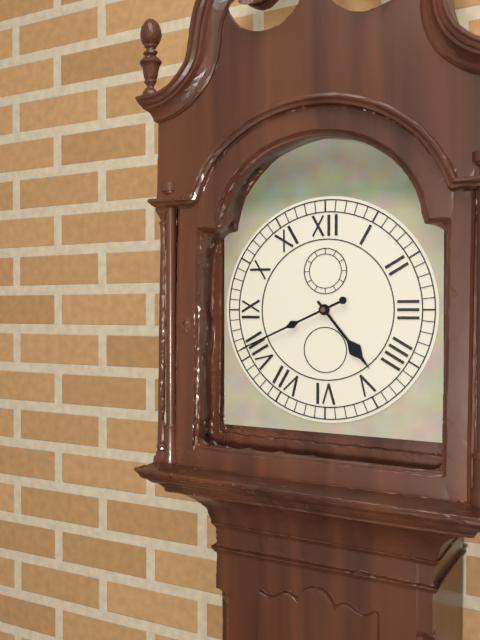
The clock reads h=4 m=41
